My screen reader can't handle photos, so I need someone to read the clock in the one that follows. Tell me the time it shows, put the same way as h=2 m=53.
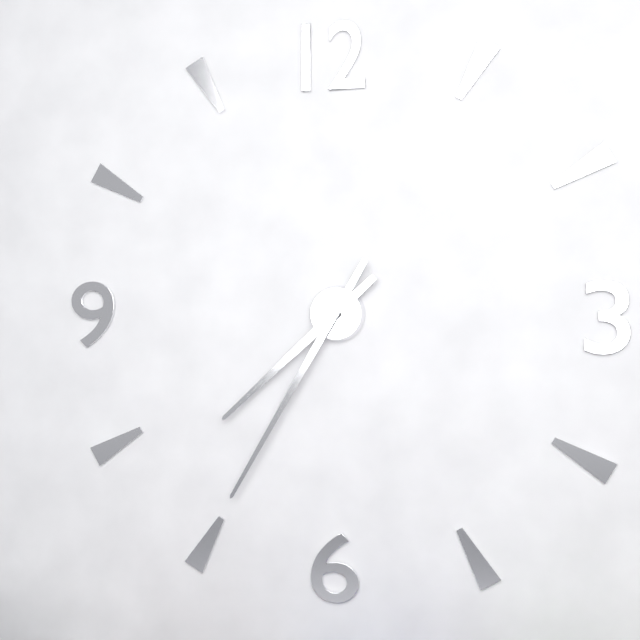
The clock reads h=7 m=35
